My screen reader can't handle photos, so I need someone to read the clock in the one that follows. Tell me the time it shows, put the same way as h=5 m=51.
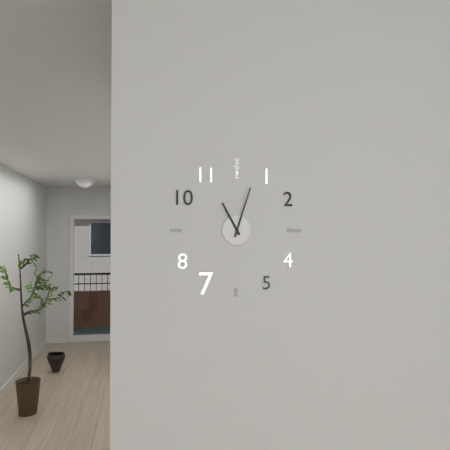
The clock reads h=11 m=3
